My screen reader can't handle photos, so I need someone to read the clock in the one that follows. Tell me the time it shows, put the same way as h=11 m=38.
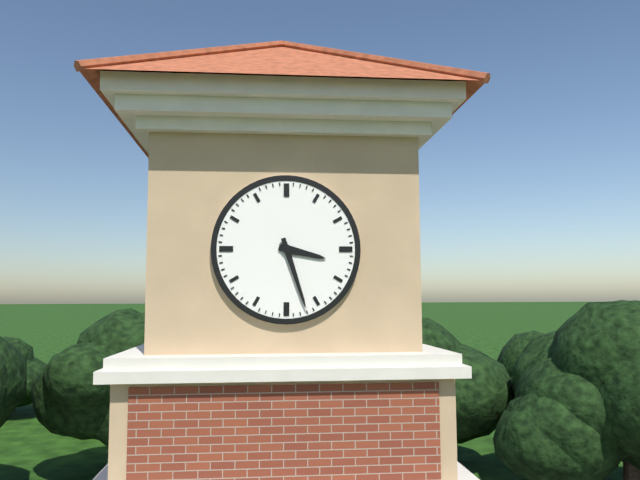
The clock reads h=3 m=27
